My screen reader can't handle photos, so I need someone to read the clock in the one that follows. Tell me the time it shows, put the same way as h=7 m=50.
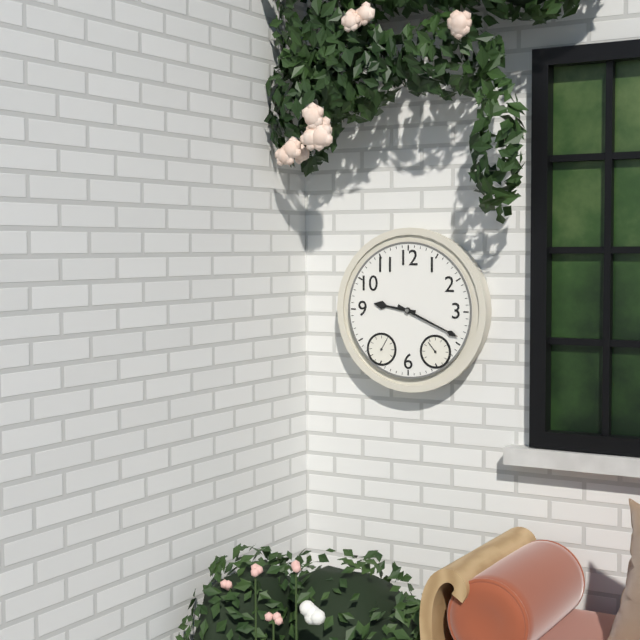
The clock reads h=9 m=19
